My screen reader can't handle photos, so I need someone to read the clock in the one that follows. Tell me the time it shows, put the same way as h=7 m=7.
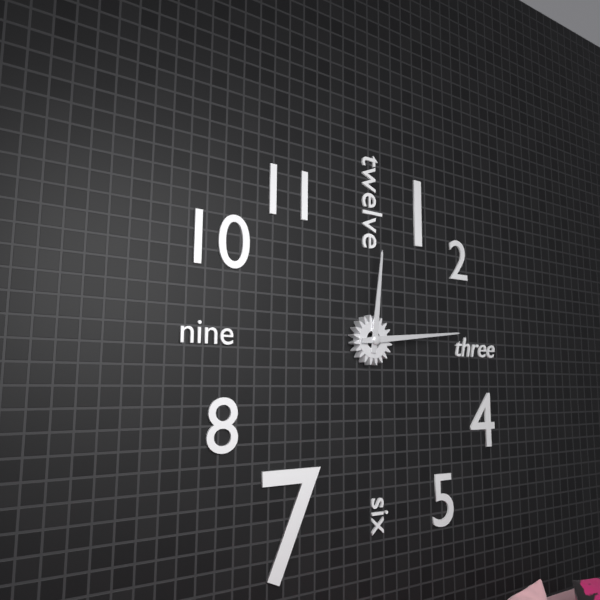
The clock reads h=12 m=14
